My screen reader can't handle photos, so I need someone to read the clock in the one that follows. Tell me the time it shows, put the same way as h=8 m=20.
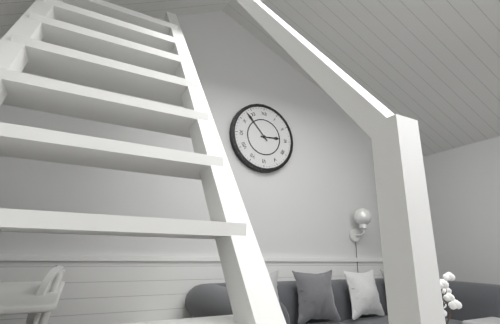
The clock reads h=2 m=53
